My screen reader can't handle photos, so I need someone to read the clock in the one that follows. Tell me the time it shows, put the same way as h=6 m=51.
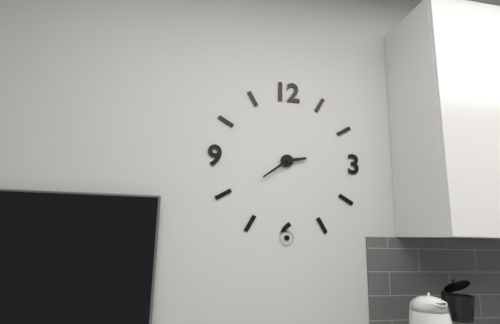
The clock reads h=2 m=39
